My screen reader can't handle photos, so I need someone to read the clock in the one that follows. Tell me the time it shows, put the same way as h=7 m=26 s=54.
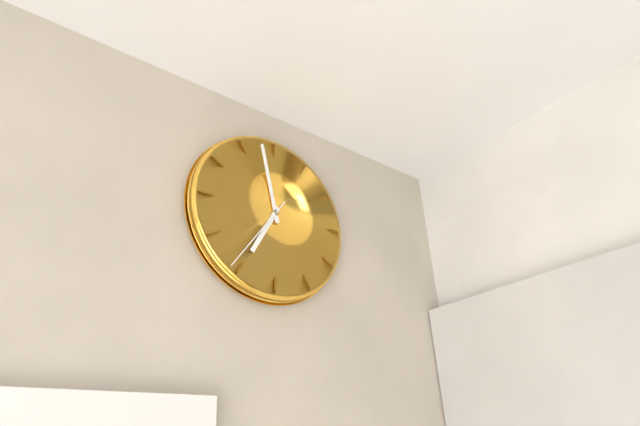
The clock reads h=6 m=58 s=36
